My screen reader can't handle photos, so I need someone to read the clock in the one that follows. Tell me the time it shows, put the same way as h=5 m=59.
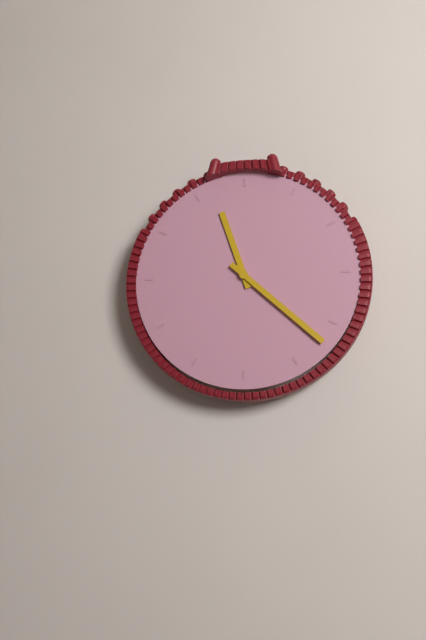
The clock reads h=11 m=22
